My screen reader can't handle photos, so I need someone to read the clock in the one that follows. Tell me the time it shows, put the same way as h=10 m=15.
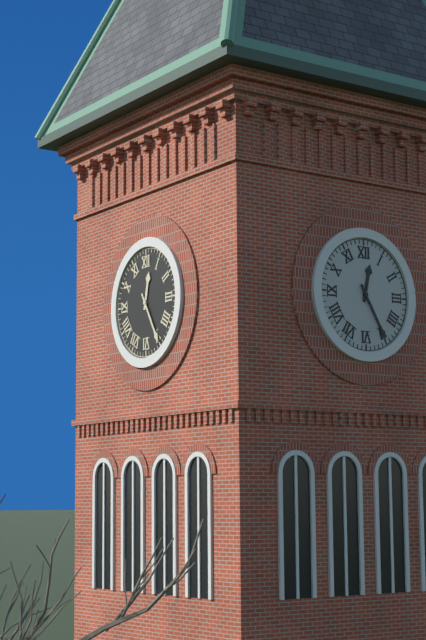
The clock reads h=12 m=25
